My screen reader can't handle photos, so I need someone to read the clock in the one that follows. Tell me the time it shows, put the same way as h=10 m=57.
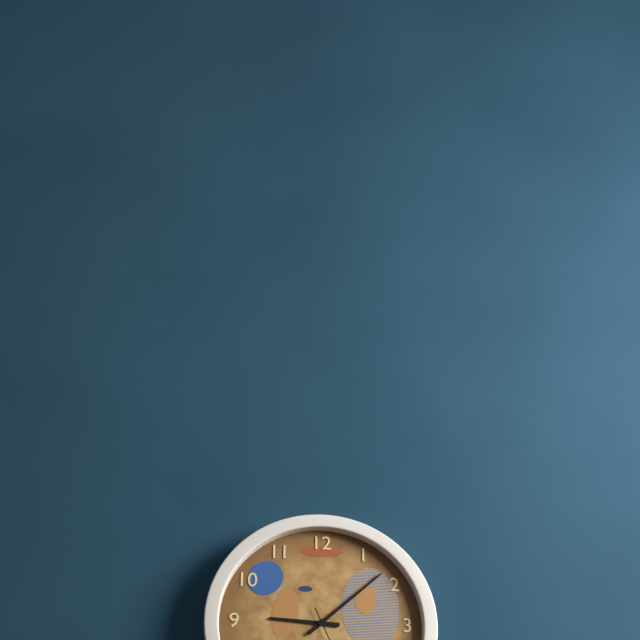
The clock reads h=9 m=8
